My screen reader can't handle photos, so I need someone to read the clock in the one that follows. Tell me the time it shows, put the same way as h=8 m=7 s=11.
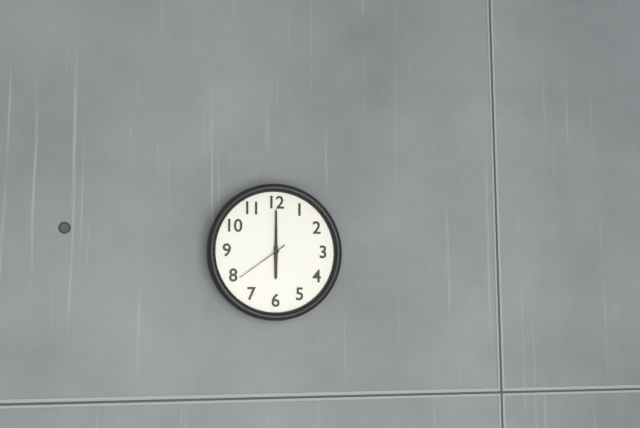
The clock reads h=6 m=0 s=39
